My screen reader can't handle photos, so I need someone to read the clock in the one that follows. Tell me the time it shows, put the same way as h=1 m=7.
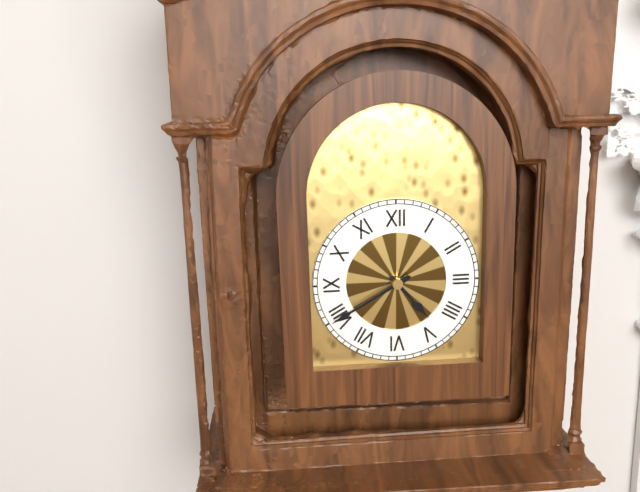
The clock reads h=4 m=40
